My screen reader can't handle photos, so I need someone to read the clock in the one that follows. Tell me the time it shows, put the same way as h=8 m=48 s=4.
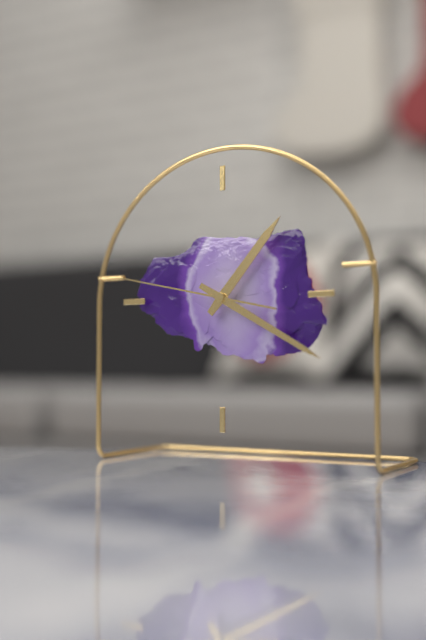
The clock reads h=1 m=20 s=47
